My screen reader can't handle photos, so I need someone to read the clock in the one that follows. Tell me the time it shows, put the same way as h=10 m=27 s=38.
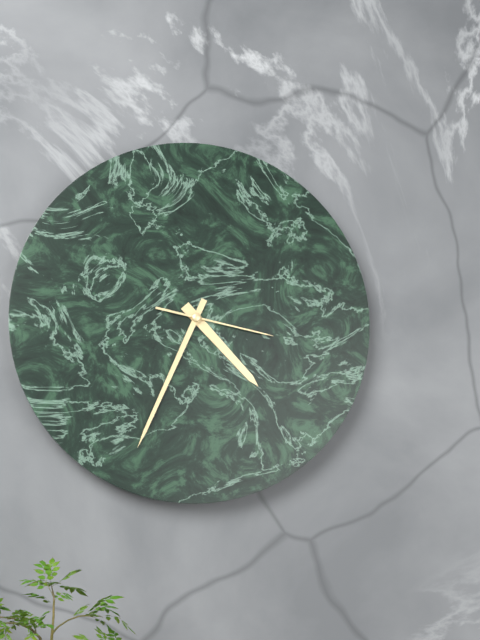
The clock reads h=4 m=34 s=17
